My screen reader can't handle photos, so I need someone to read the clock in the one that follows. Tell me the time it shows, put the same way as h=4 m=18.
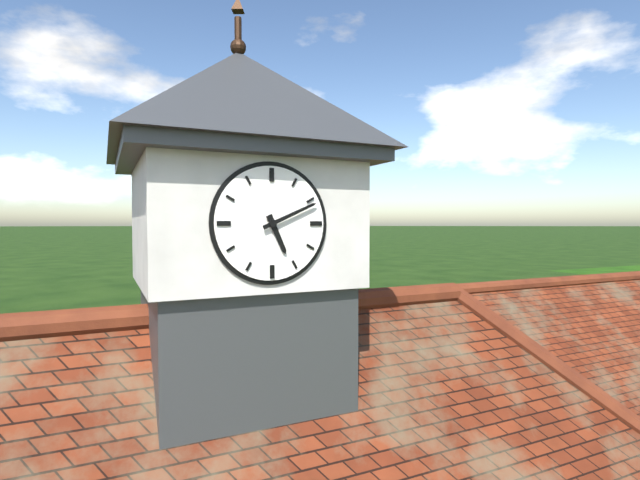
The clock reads h=5 m=11
